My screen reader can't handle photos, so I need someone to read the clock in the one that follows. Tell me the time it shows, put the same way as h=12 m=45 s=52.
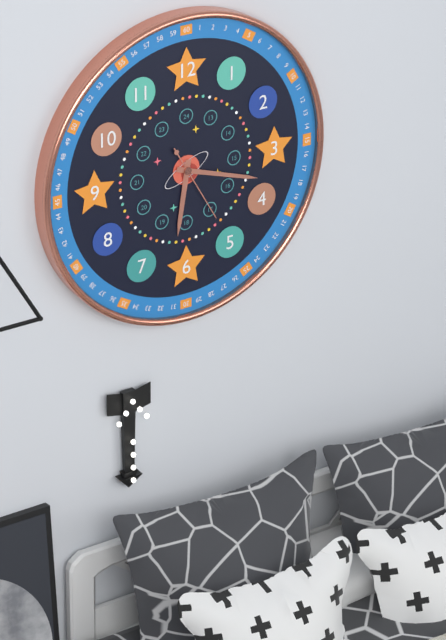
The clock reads h=6 m=18 s=25
